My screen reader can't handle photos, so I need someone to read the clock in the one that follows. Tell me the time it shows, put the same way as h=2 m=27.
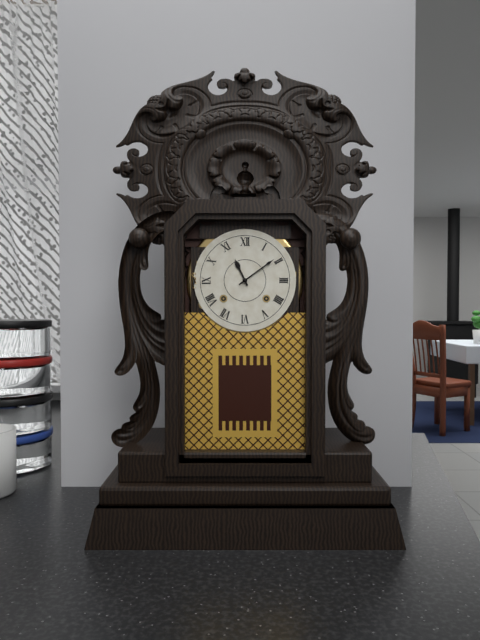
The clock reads h=11 m=9
